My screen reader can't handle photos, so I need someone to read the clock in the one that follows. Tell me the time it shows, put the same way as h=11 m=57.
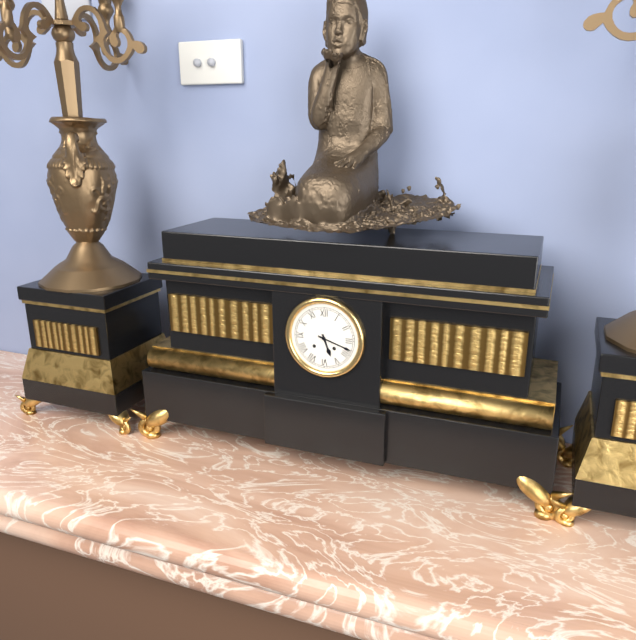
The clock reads h=5 m=18
